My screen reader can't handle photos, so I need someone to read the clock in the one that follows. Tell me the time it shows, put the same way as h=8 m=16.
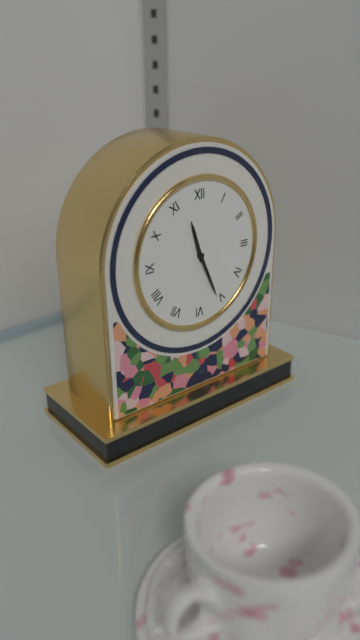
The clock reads h=11 m=26
